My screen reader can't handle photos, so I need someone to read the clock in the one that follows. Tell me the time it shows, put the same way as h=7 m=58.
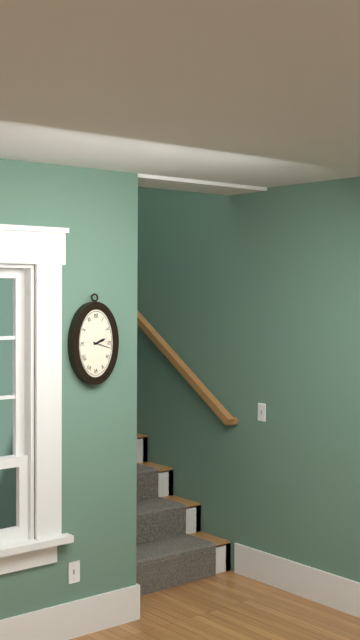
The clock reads h=2 m=18
